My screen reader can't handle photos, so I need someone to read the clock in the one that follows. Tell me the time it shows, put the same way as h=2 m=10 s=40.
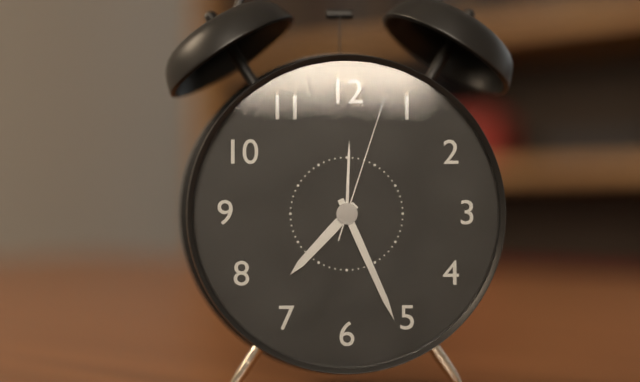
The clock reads h=7 m=26 s=3
